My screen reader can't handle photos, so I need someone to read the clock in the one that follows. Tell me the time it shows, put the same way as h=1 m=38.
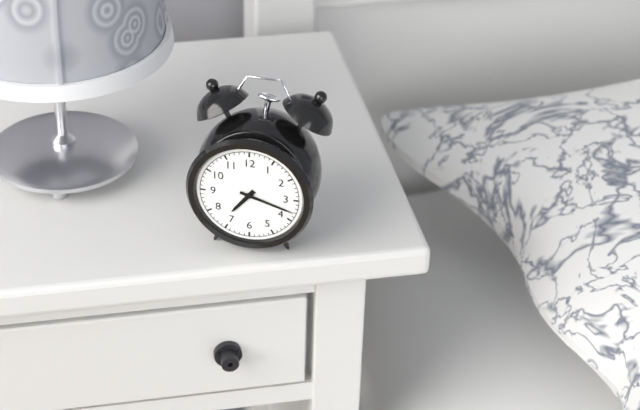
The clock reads h=7 m=18
